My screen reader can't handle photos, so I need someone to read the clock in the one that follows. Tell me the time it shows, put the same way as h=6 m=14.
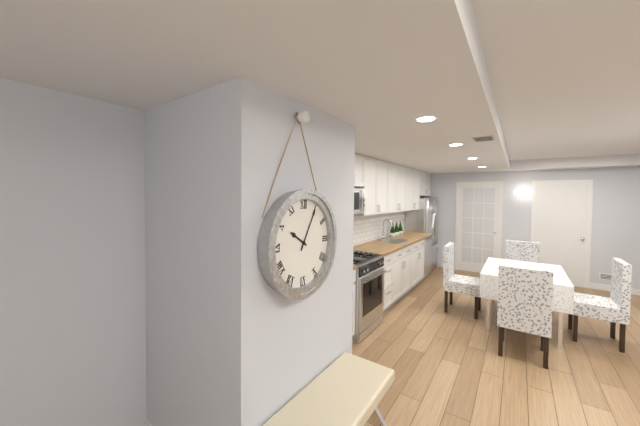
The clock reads h=10 m=5
